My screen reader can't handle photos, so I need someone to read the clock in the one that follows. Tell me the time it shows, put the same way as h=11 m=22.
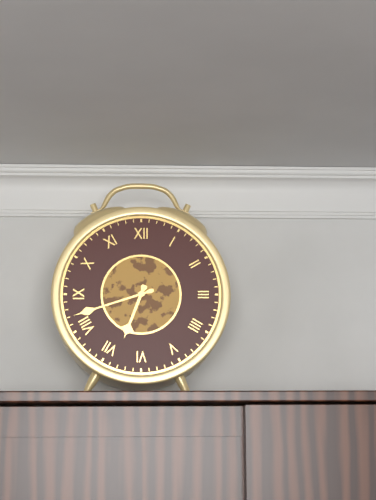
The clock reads h=6 m=42
